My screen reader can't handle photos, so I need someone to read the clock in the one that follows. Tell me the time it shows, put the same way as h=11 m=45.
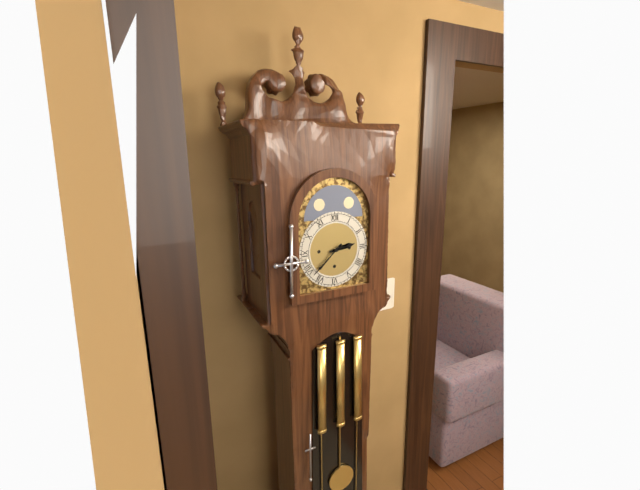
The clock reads h=2 m=38
